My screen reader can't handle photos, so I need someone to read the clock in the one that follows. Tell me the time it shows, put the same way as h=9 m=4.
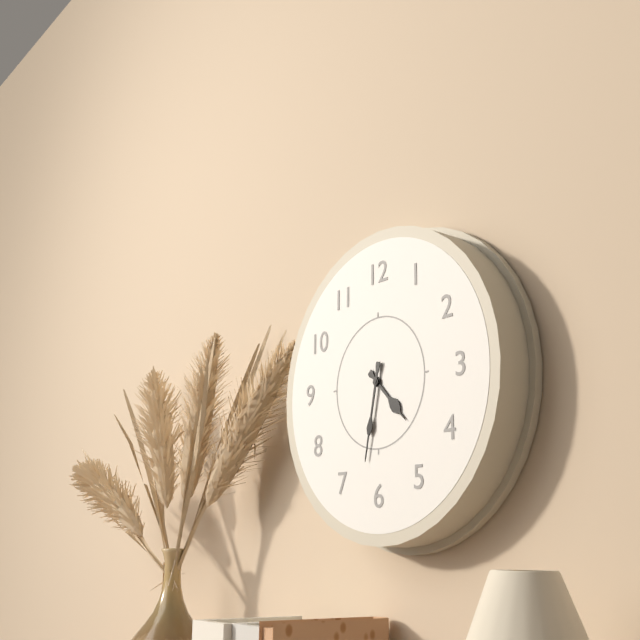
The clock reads h=4 m=32
